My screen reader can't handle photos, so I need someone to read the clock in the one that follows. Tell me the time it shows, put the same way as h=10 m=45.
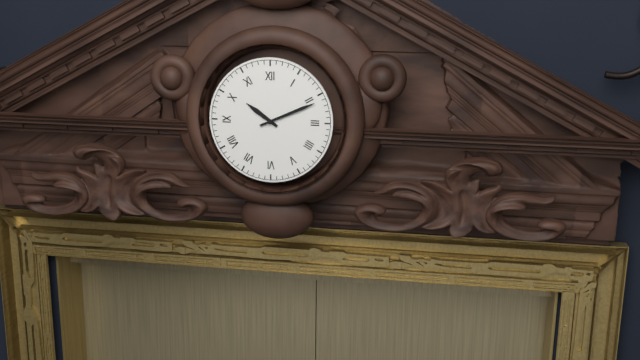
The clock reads h=10 m=11
